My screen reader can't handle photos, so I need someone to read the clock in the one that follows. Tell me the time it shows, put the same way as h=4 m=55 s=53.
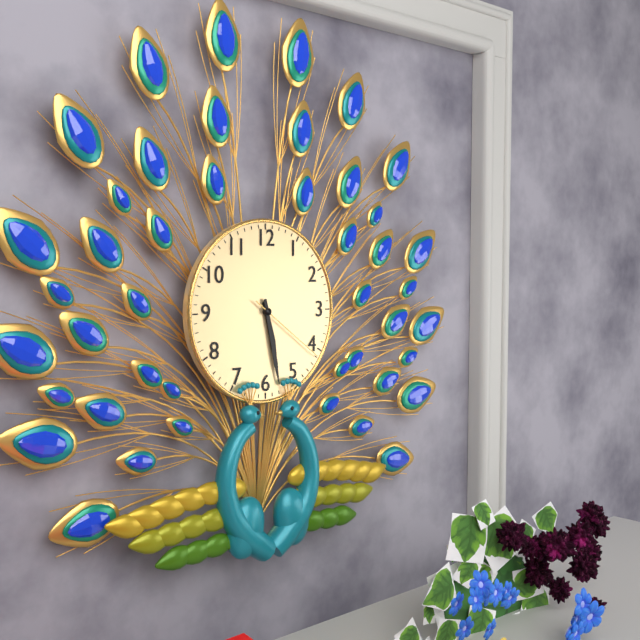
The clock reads h=5 m=28 s=21
